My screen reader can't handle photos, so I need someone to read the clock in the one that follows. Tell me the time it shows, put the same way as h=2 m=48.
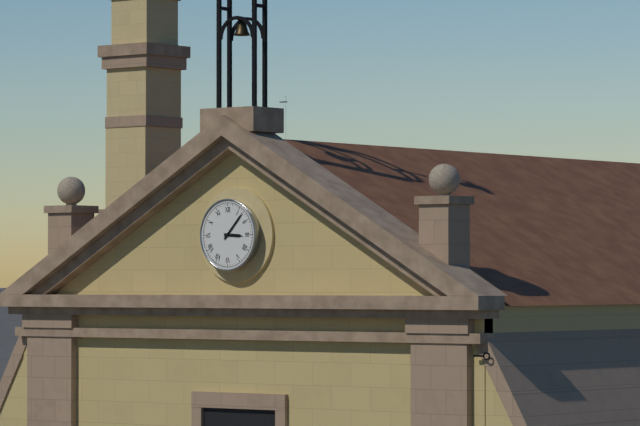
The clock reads h=3 m=7
